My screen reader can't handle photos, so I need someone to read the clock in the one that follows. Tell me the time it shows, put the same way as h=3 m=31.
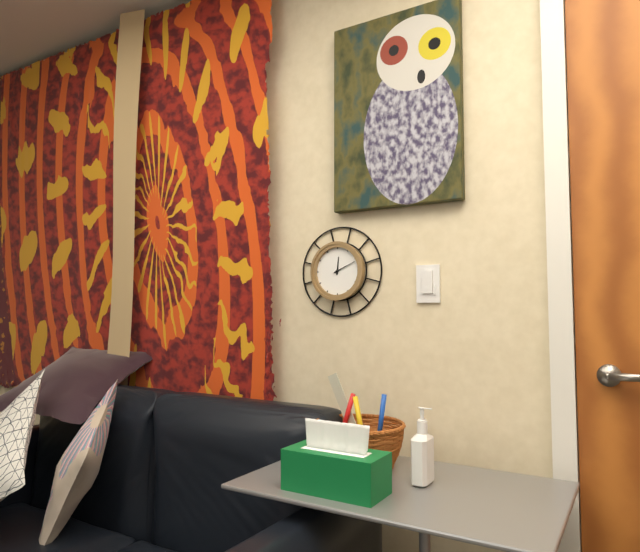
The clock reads h=12 m=11
